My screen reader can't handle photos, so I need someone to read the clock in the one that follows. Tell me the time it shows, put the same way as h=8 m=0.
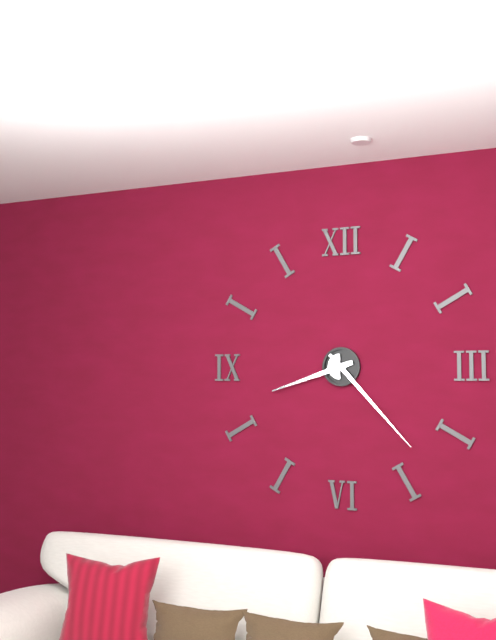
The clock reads h=8 m=23
